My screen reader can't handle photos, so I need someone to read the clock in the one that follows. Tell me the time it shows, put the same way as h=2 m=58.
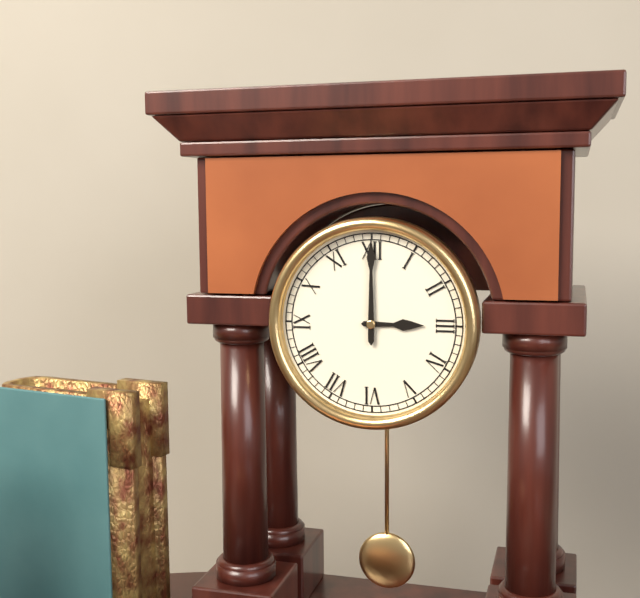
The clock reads h=3 m=0
